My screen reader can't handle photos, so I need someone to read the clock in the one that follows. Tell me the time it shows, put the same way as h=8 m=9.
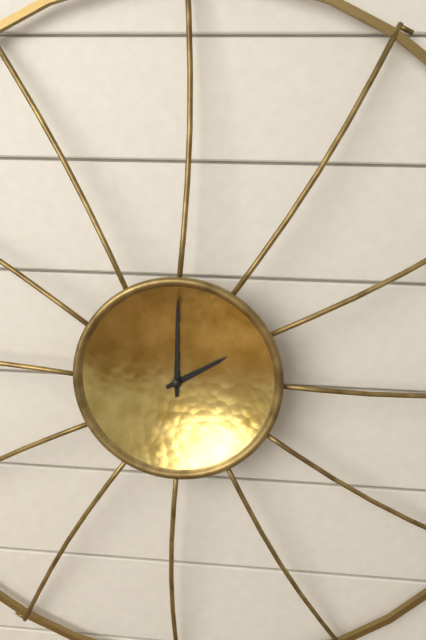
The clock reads h=2 m=0
